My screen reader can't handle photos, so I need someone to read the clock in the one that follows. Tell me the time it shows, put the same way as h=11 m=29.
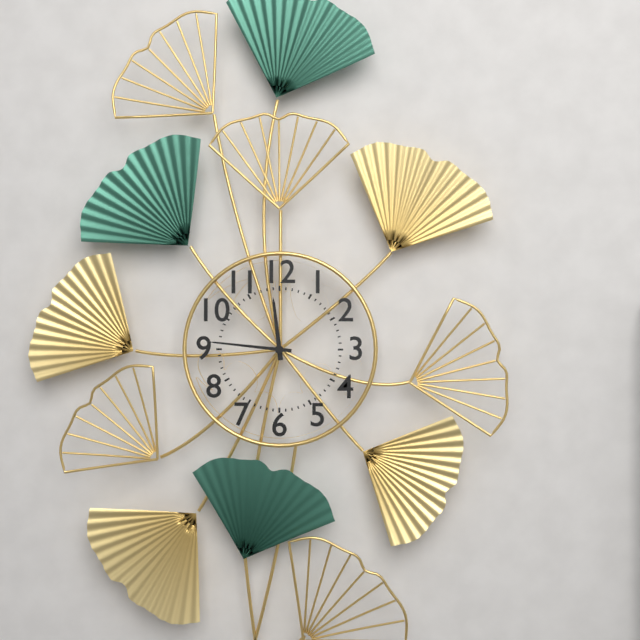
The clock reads h=11 m=46
